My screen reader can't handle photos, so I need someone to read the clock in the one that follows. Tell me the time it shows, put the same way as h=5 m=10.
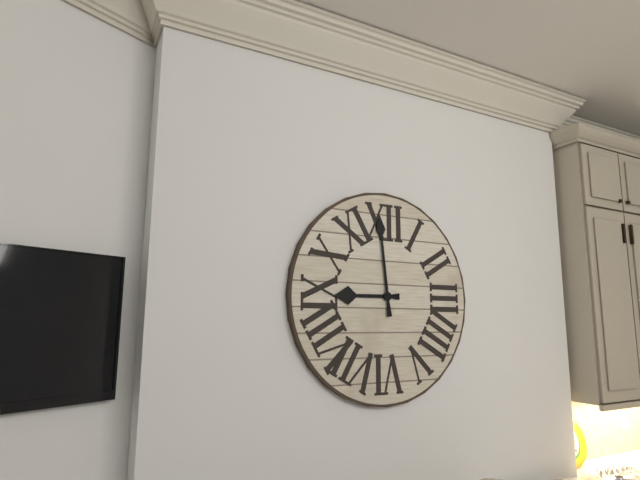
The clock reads h=8 m=59
